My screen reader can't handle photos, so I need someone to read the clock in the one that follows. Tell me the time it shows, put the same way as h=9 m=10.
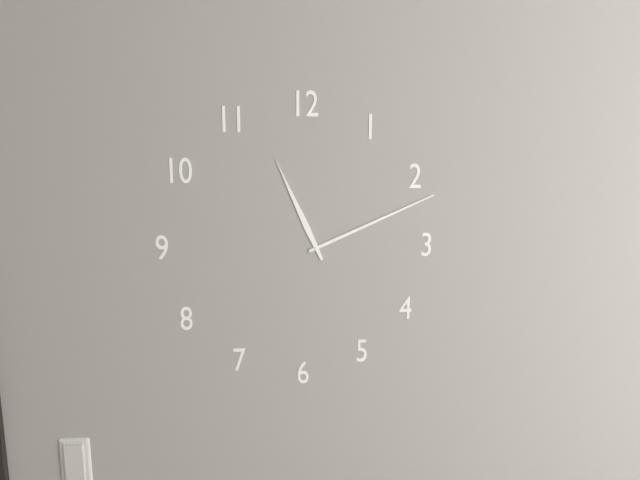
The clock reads h=11 m=11
